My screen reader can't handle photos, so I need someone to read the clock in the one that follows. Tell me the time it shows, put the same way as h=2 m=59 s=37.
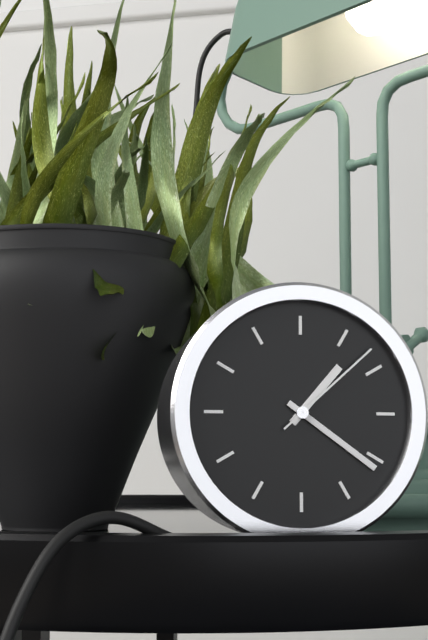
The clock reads h=1 m=21 s=8
